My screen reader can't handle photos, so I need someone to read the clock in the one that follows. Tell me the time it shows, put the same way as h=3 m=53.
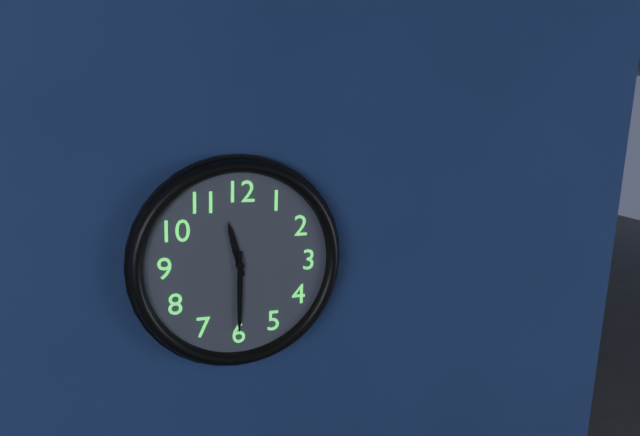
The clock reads h=11 m=30
